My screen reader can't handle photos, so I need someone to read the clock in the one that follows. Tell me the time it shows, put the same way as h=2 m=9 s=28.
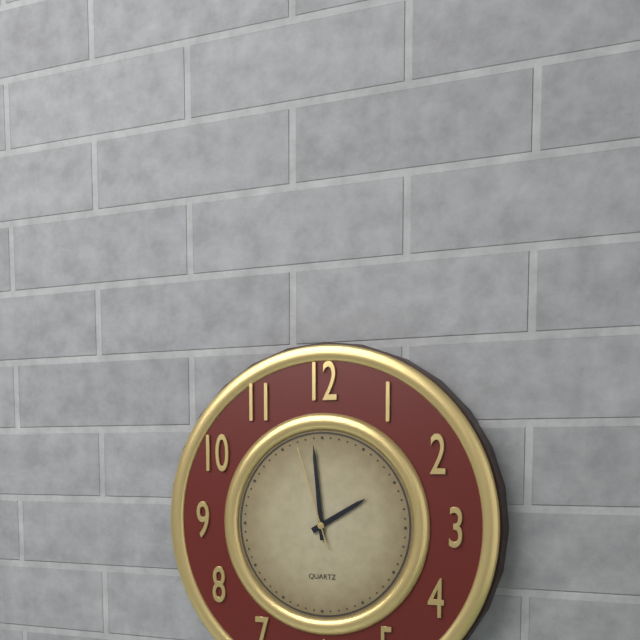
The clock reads h=1 m=59 s=57
